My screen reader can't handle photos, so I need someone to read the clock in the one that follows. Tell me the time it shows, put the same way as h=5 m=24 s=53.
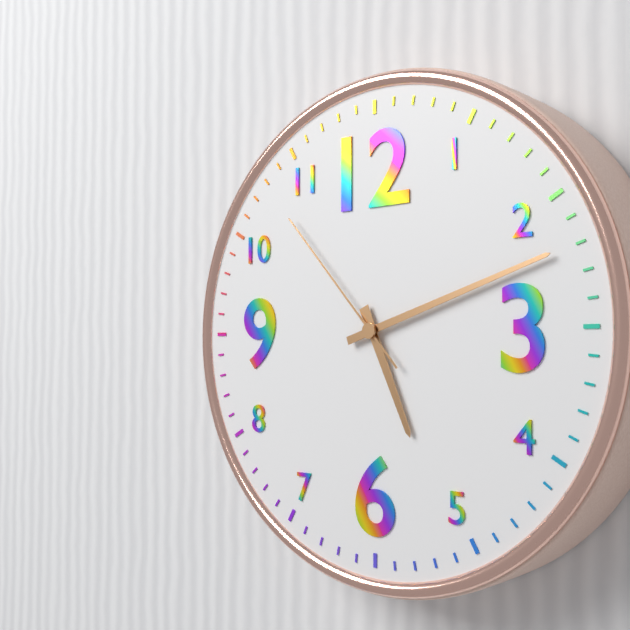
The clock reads h=5 m=12 s=53
